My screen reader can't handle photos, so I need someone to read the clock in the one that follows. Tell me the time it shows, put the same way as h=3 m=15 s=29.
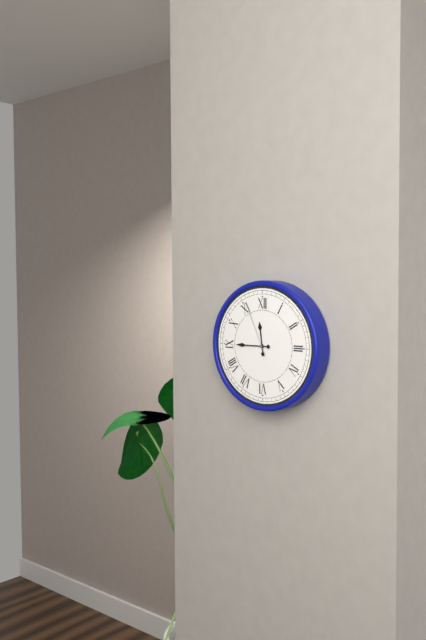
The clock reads h=11 m=45 s=56
